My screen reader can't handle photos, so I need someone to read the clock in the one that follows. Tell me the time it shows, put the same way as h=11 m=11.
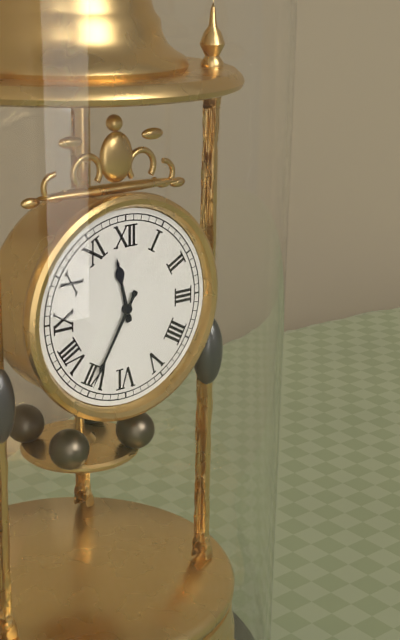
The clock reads h=11 m=35
